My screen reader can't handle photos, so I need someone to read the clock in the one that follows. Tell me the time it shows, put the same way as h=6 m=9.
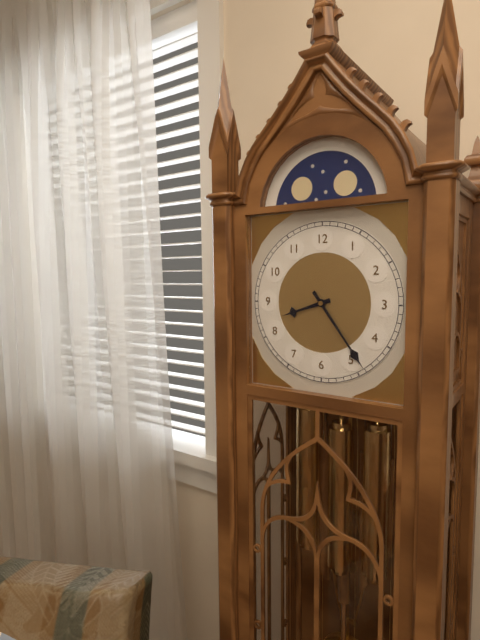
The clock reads h=8 m=24
